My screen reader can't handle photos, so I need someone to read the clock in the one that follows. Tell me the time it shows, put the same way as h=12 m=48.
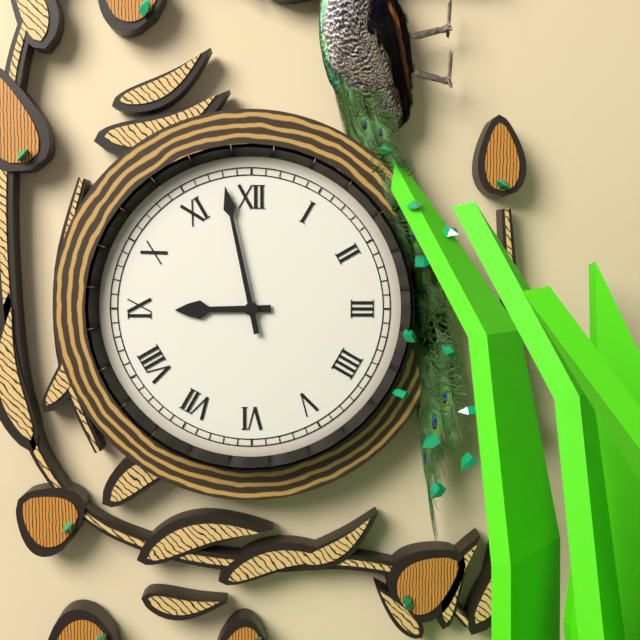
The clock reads h=8 m=58
